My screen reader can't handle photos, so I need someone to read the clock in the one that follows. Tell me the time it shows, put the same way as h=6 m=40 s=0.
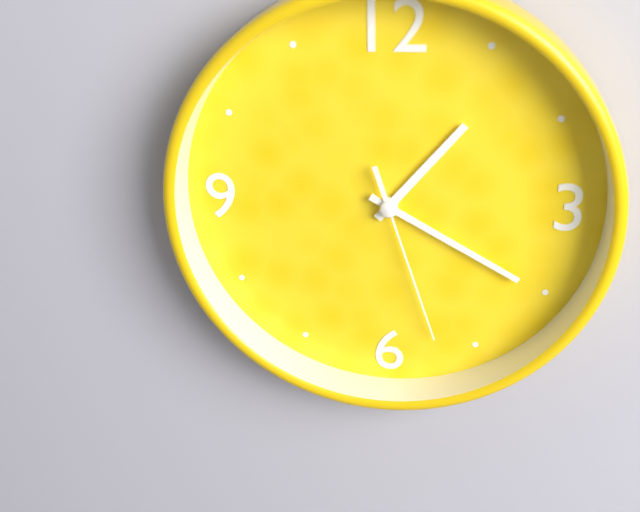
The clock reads h=1 m=20 s=27
